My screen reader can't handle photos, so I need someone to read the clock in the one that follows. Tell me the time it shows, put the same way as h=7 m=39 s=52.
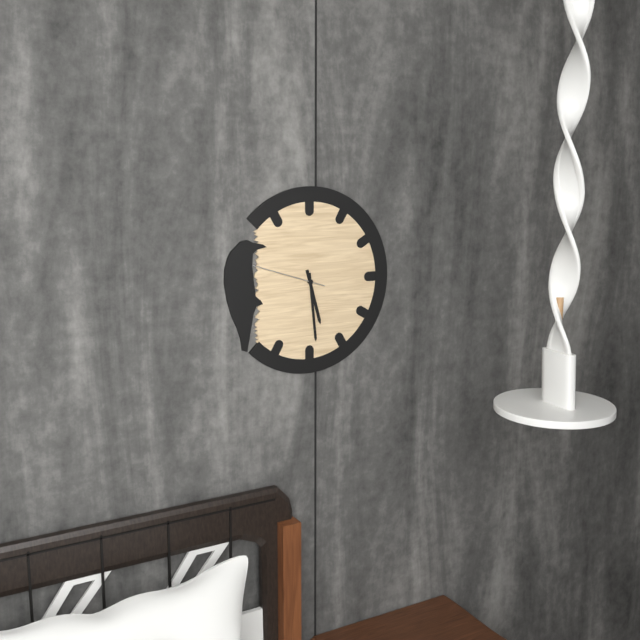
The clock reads h=5 m=29 s=48
